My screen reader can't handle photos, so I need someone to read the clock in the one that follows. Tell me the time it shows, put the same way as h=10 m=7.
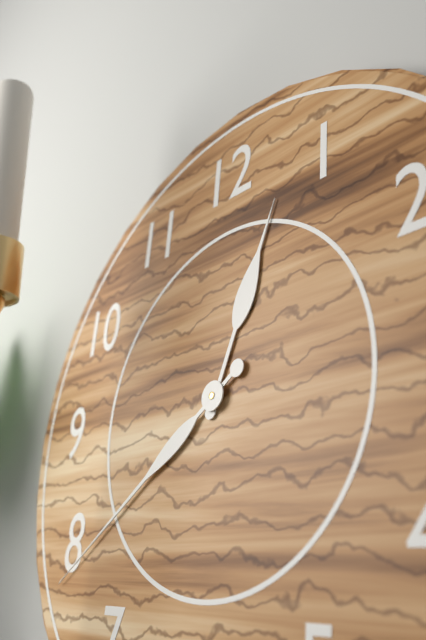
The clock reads h=12 m=39
